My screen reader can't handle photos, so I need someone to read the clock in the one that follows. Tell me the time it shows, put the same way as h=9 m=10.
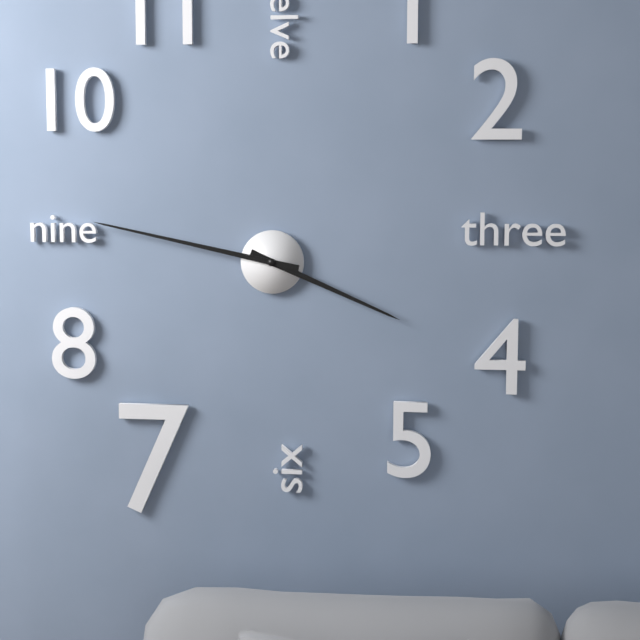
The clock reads h=3 m=47
